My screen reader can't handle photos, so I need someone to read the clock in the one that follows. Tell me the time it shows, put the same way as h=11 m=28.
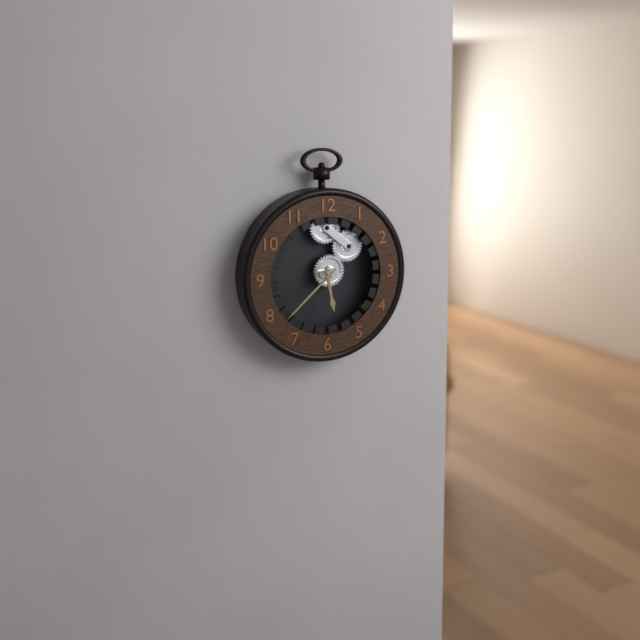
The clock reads h=5 m=38
